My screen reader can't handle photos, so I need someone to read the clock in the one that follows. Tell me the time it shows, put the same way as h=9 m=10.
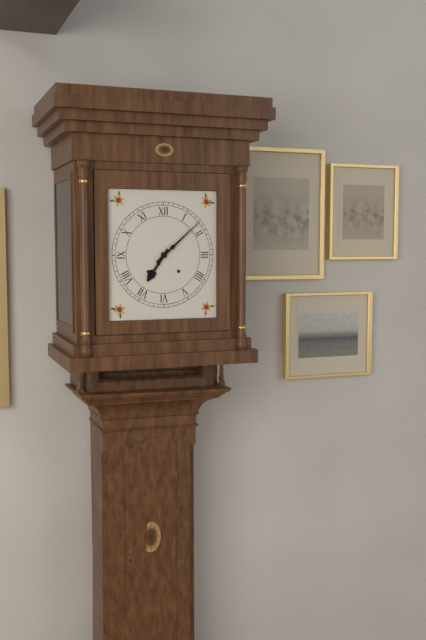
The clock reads h=7 m=8
